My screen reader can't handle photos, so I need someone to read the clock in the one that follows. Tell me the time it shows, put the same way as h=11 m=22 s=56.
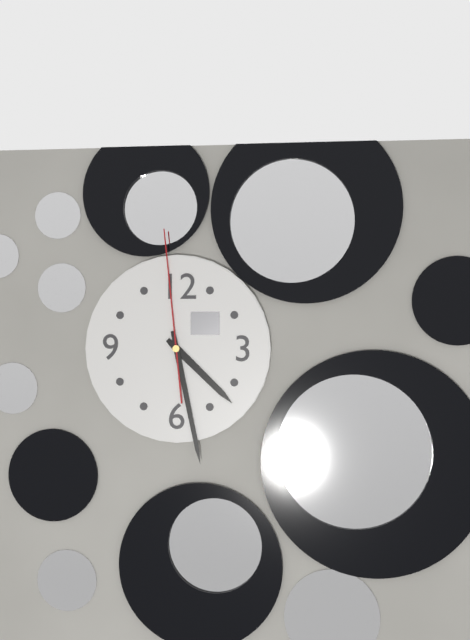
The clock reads h=4 m=28 s=59
